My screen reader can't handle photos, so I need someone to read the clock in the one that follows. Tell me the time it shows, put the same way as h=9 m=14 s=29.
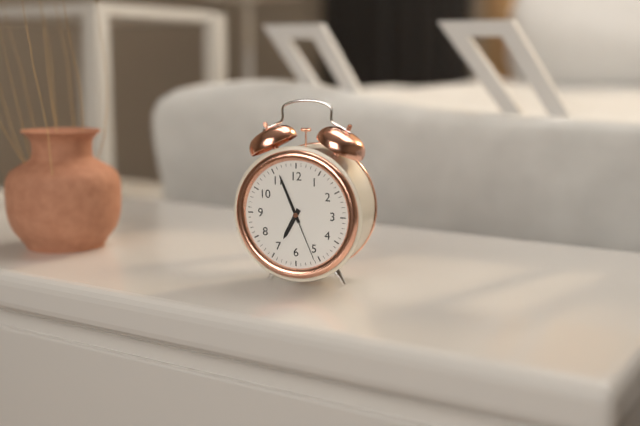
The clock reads h=6 m=56 s=26
